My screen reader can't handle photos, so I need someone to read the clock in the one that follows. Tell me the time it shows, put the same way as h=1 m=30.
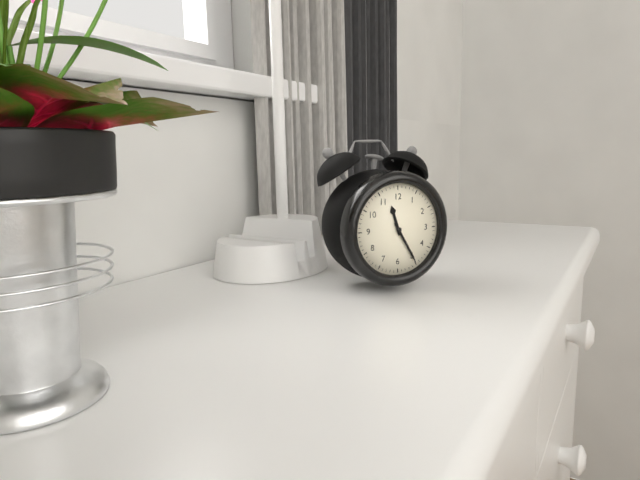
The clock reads h=11 m=25
